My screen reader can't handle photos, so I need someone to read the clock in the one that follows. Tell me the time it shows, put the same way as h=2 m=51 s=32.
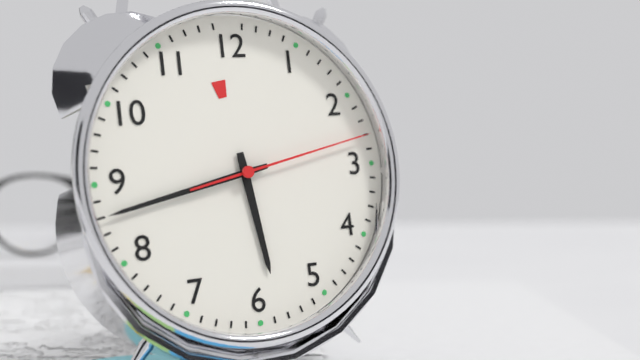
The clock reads h=5 m=43 s=13
